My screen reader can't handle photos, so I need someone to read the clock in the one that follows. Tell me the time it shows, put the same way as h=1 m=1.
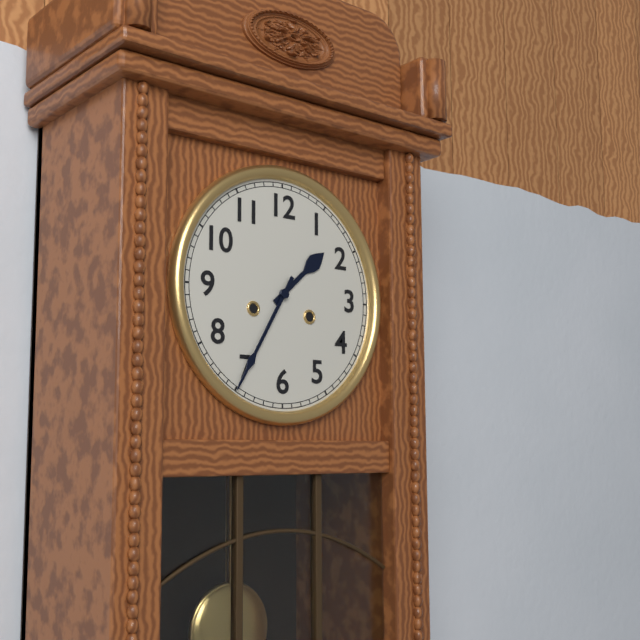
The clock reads h=1 m=35
